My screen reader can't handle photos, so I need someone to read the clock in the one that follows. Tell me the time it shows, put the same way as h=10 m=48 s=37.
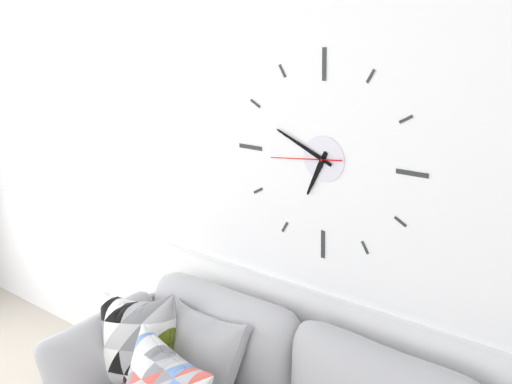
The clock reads h=6 m=49 s=44
